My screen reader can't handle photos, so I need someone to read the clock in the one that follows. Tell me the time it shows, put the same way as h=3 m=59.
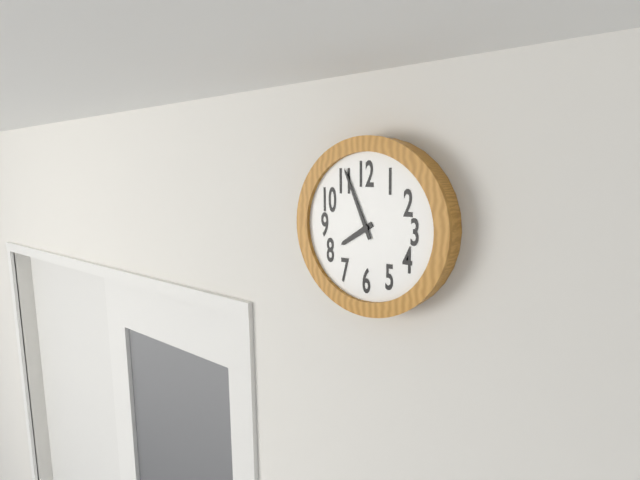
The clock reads h=7 m=56
